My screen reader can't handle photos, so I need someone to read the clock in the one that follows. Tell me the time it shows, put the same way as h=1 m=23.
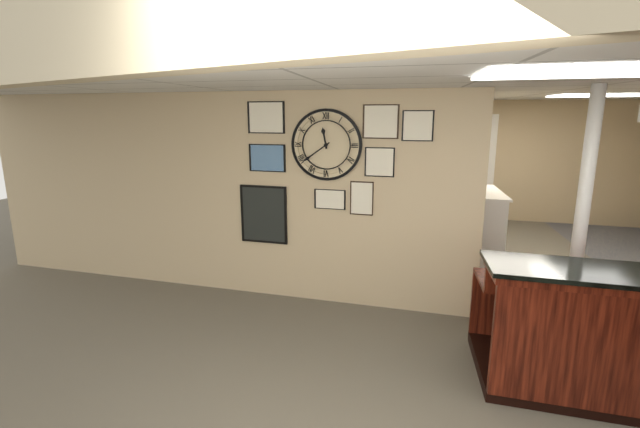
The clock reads h=11 m=39
